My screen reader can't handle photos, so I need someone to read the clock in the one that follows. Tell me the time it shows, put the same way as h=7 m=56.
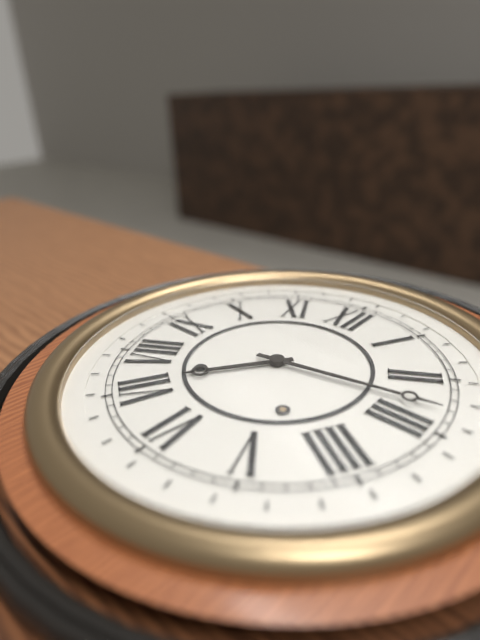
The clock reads h=7 m=13
